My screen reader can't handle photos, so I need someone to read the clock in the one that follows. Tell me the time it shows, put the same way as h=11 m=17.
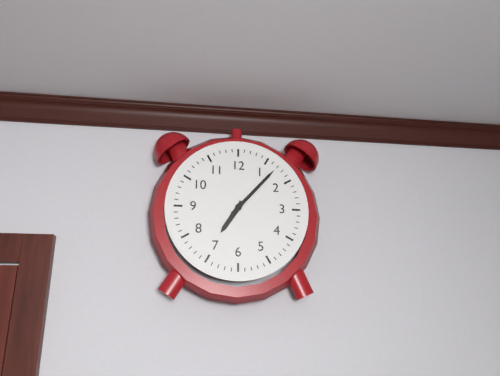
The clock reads h=7 m=7
